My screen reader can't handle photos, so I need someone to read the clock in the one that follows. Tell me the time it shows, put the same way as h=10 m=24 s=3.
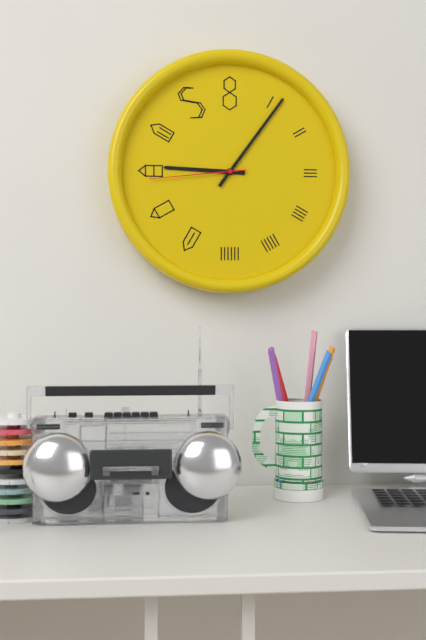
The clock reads h=9 m=6 s=44
